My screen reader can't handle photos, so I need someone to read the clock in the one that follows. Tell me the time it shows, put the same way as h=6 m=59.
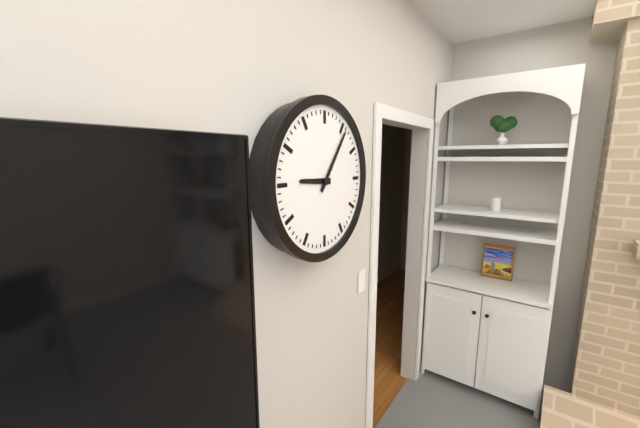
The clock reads h=9 m=6
